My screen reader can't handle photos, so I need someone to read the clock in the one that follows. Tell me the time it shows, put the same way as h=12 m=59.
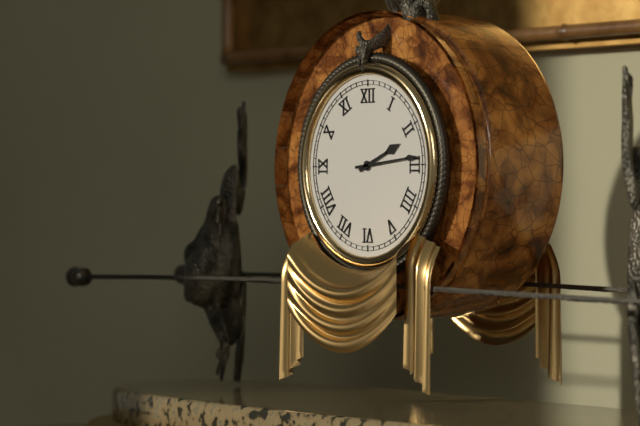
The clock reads h=2 m=14
